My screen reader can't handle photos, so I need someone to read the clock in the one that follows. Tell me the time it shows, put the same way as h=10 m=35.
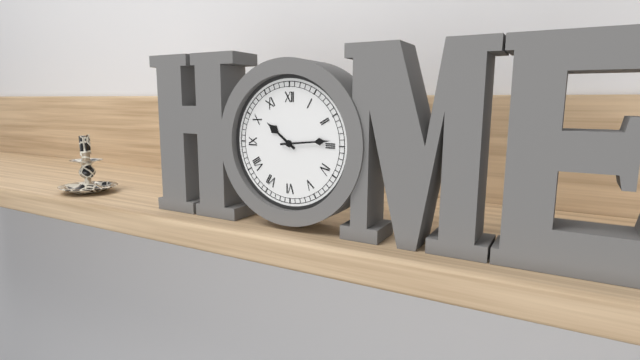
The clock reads h=10 m=14
